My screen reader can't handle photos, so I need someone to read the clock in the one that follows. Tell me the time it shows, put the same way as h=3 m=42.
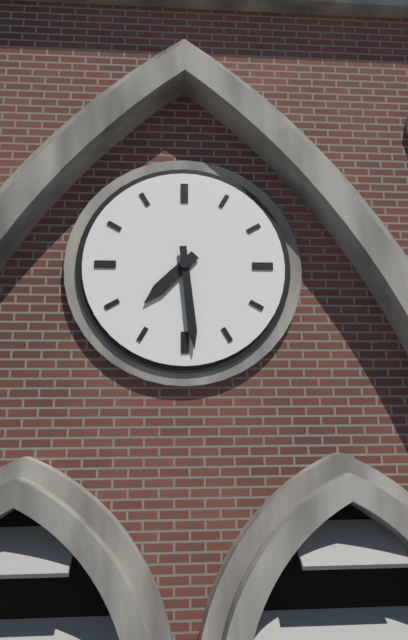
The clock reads h=7 m=29
